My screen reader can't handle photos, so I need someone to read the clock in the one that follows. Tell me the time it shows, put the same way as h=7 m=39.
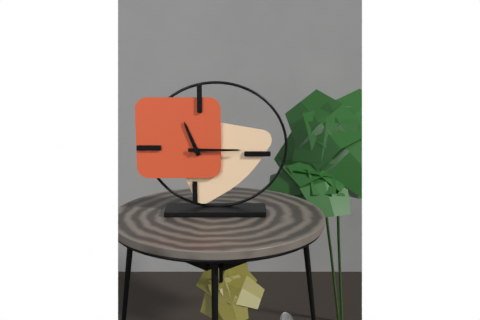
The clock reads h=11 m=15
